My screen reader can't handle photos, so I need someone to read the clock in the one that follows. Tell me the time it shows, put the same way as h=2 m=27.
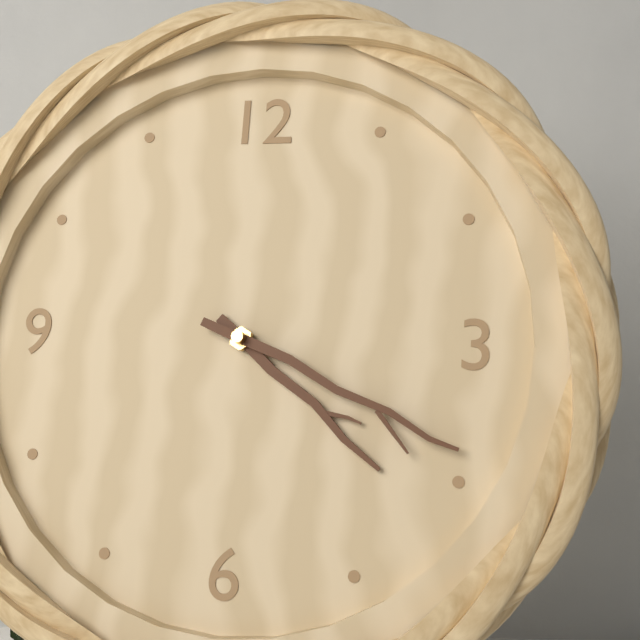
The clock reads h=4 m=19
